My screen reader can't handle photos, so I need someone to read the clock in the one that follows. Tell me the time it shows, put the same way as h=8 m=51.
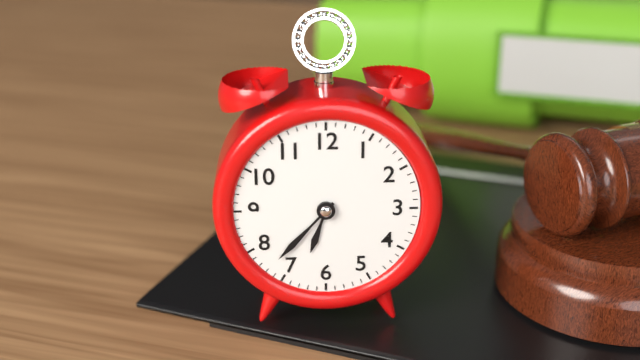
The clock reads h=6 m=37
